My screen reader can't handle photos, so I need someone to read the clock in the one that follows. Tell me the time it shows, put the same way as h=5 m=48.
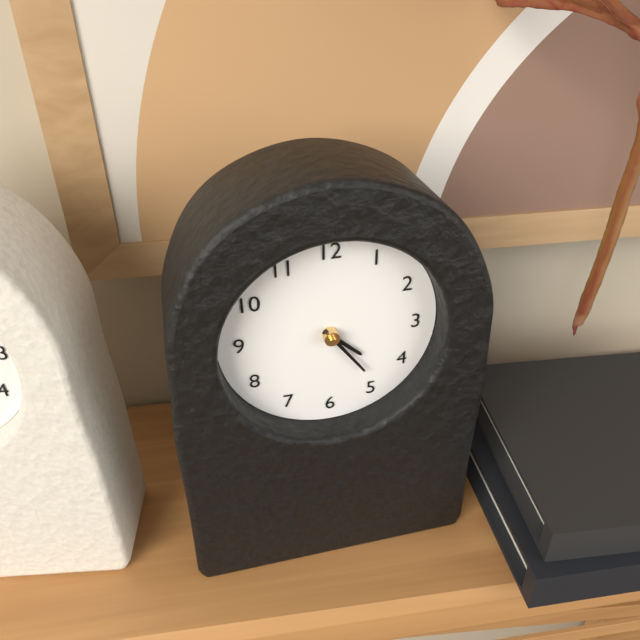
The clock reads h=4 m=24
